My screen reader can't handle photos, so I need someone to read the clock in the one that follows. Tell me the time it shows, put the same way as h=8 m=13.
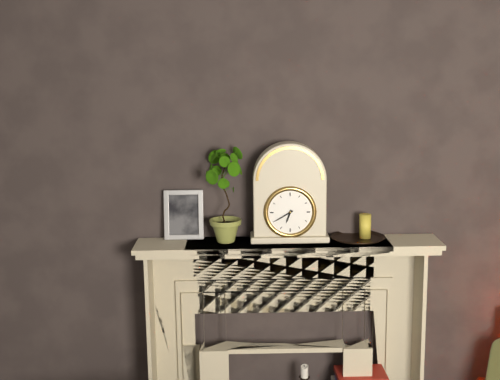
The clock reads h=6 m=40
